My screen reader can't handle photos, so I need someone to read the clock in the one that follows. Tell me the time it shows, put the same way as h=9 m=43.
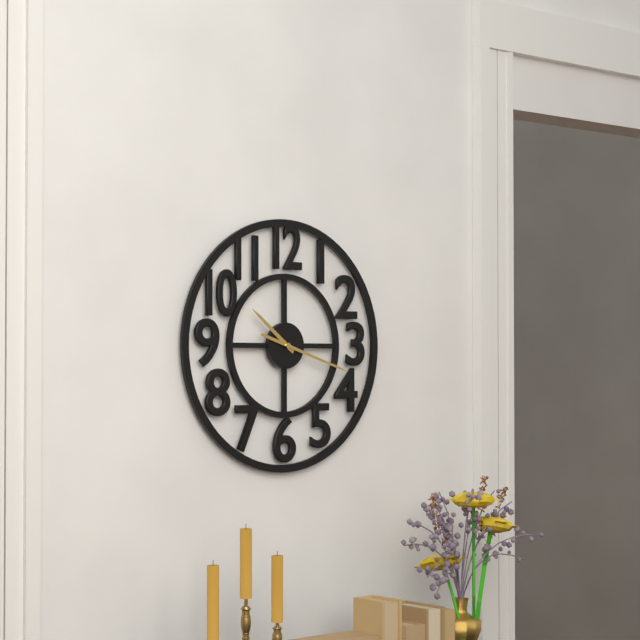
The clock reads h=10 m=18
